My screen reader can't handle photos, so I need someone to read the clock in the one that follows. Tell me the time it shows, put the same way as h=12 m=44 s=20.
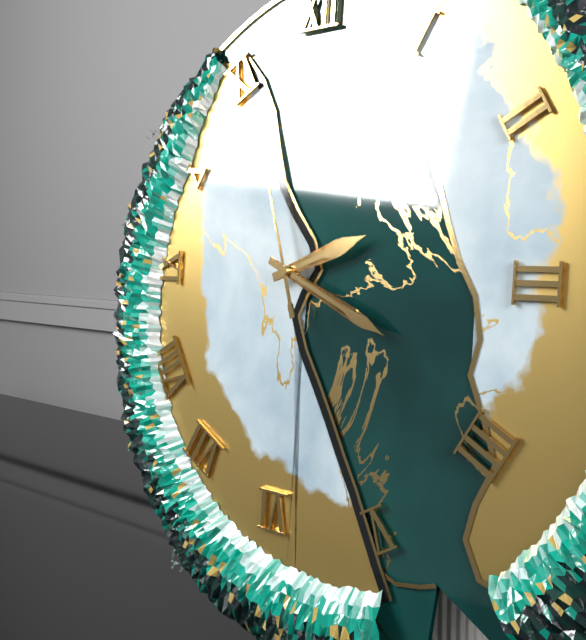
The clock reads h=2 m=19 s=57
